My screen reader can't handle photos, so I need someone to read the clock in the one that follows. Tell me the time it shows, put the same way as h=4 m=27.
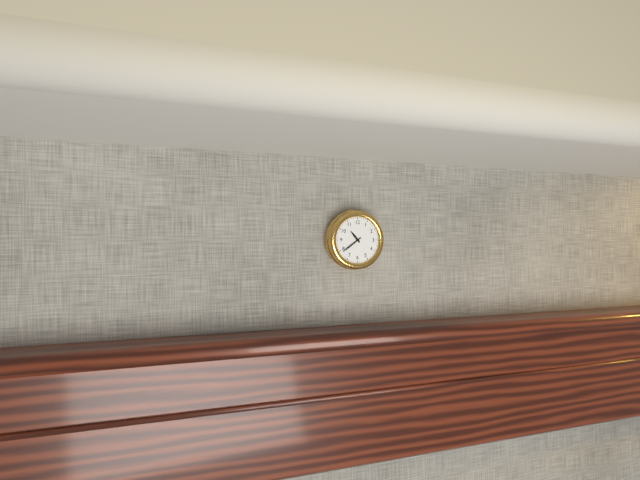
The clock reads h=10 m=39
